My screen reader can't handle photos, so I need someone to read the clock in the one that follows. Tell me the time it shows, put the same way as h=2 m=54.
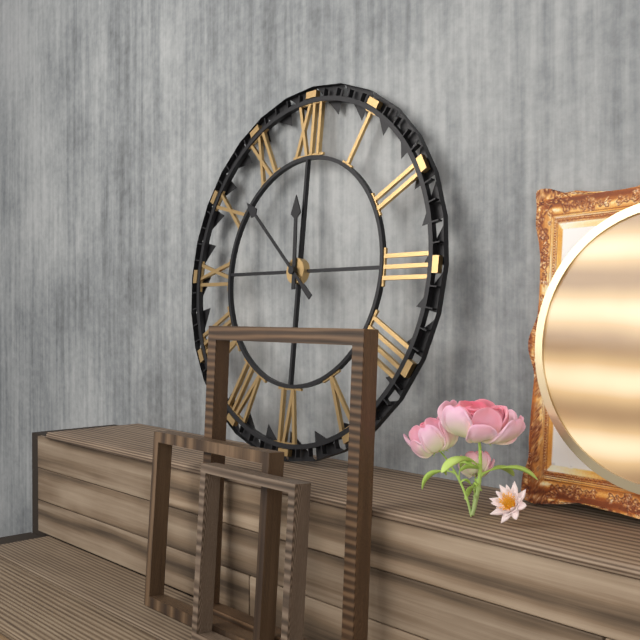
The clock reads h=11 m=52
